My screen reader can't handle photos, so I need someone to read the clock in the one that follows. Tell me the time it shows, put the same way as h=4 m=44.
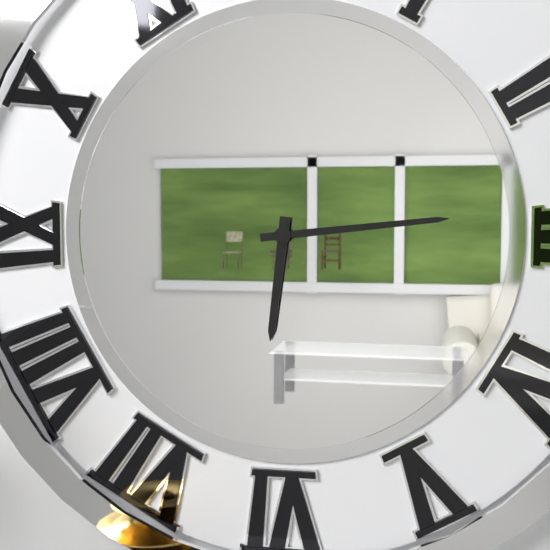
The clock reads h=6 m=14
